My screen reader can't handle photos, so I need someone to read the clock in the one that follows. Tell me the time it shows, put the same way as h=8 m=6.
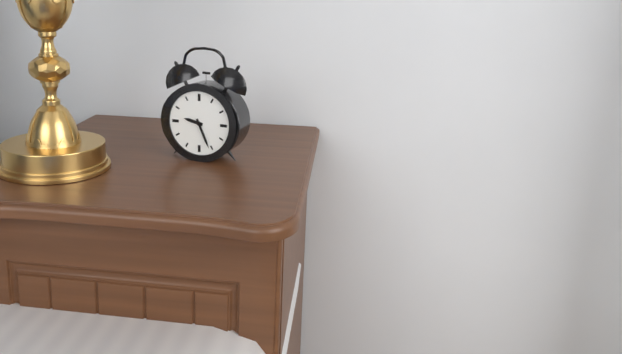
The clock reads h=9 m=26
